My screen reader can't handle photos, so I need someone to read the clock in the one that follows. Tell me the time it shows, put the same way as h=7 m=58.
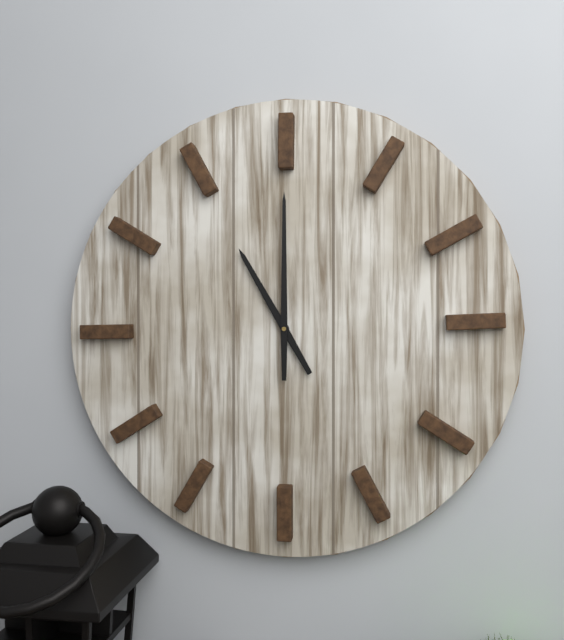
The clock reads h=11 m=0
